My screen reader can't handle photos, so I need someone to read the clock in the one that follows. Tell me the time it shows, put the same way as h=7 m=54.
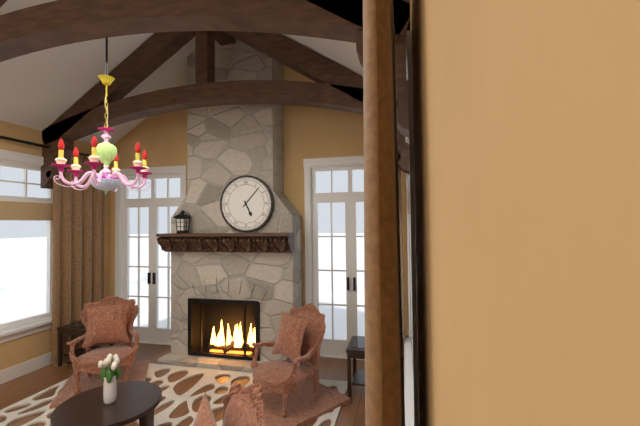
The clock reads h=5 m=7
